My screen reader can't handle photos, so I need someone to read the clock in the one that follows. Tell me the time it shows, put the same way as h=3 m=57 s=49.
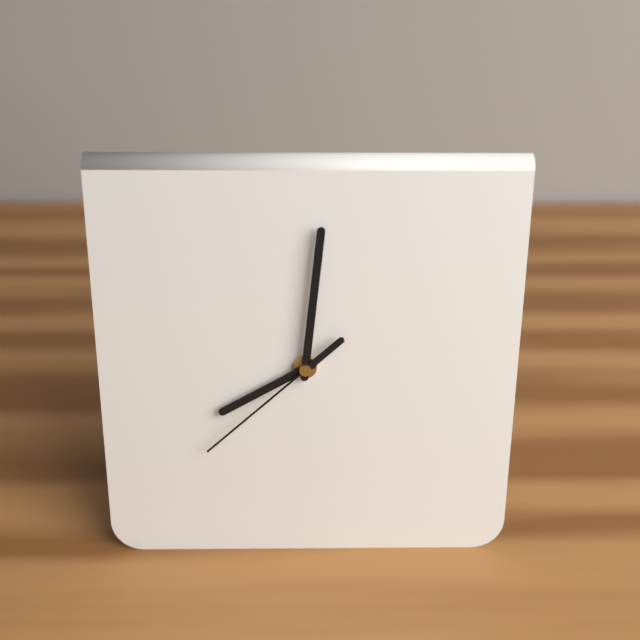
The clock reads h=8 m=1 s=38
